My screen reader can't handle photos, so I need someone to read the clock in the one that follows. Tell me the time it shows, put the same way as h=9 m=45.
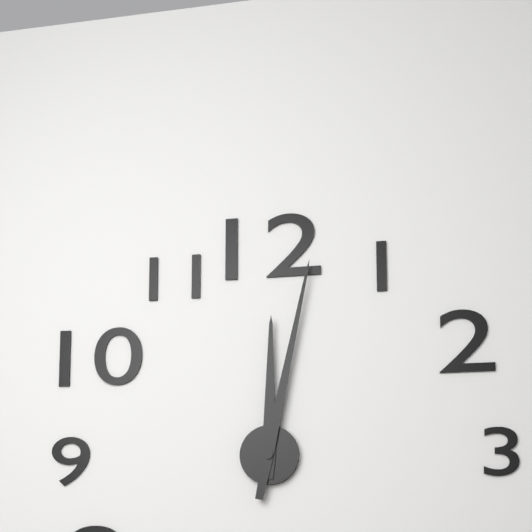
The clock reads h=12 m=2
